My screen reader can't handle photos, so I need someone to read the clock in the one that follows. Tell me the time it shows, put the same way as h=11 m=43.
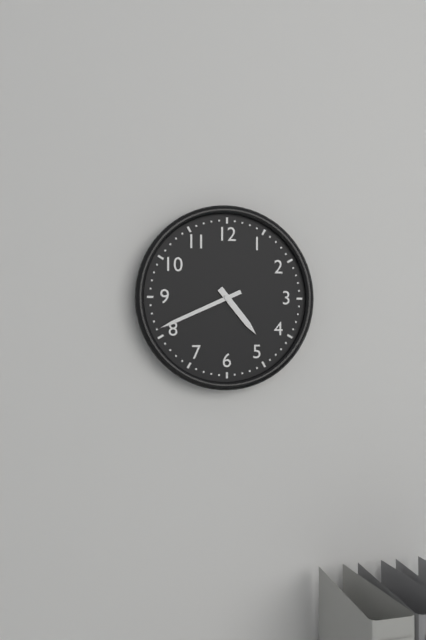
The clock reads h=4 m=41
